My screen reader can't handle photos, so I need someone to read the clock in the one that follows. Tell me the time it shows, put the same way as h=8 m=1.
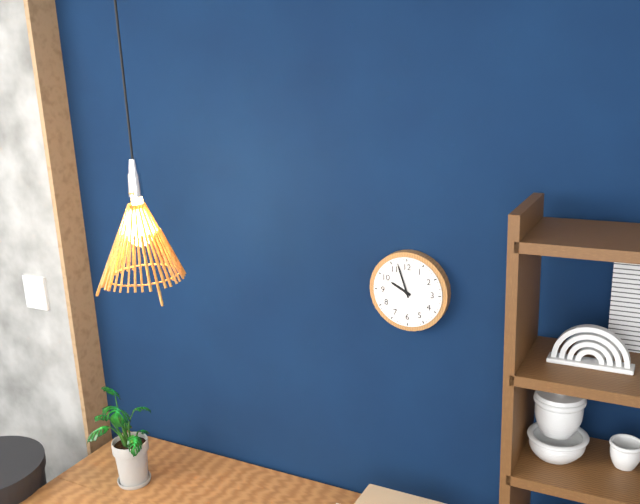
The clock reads h=9 m=57
